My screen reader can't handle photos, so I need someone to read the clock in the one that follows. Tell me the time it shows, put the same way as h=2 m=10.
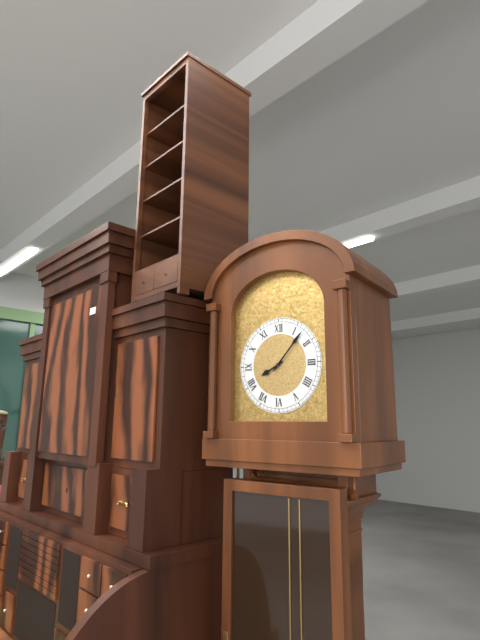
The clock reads h=8 m=7
